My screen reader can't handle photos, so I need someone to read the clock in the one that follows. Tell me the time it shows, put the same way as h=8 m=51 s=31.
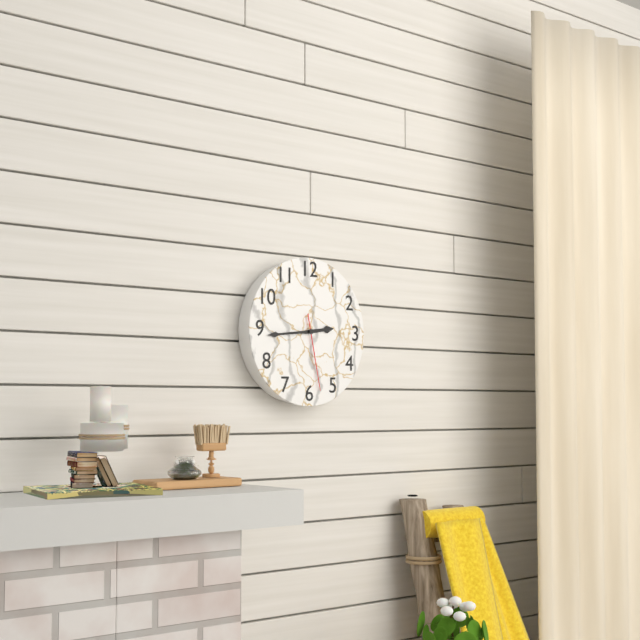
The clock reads h=2 m=44 s=28
